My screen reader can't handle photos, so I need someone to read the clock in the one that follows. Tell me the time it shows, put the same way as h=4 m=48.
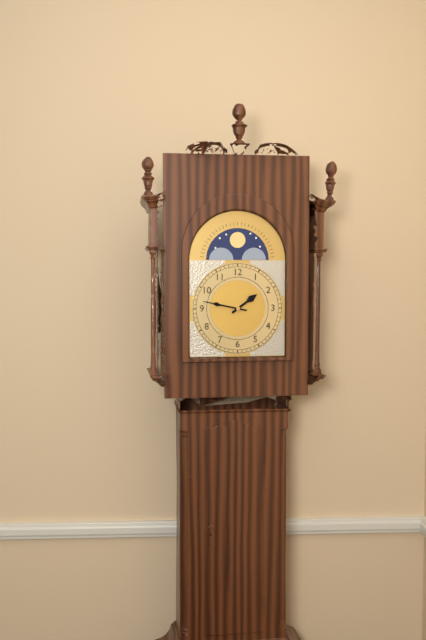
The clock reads h=1 m=47
